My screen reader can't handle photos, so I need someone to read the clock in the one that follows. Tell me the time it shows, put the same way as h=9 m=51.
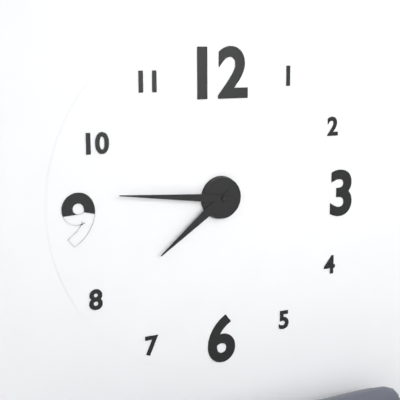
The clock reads h=7 m=46
